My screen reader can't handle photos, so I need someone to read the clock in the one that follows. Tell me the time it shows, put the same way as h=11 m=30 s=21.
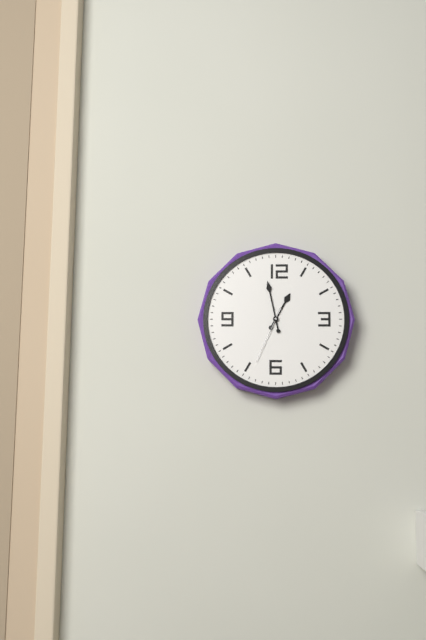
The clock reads h=12 m=58 s=34
